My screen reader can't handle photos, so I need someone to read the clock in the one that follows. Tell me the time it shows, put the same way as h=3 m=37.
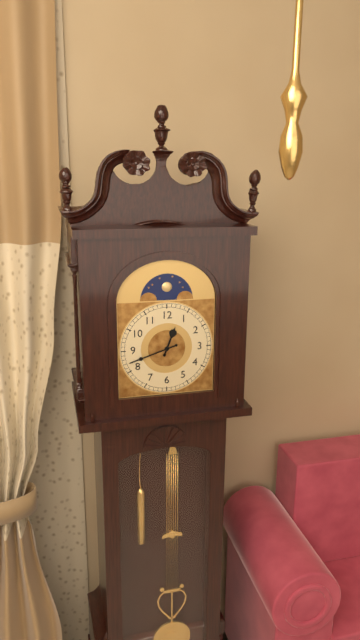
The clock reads h=12 m=42
